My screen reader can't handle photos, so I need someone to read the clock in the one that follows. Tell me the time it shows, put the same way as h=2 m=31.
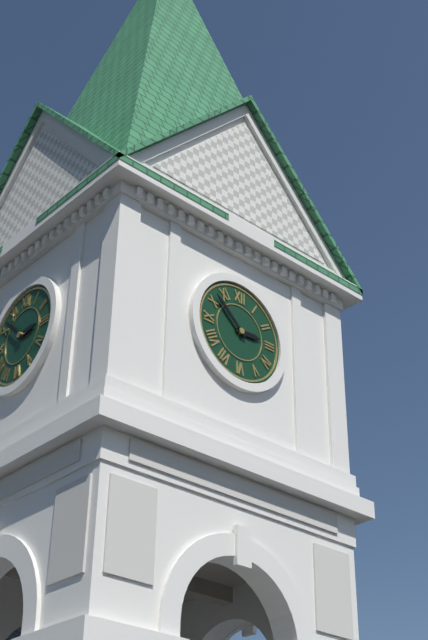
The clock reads h=2 m=52
